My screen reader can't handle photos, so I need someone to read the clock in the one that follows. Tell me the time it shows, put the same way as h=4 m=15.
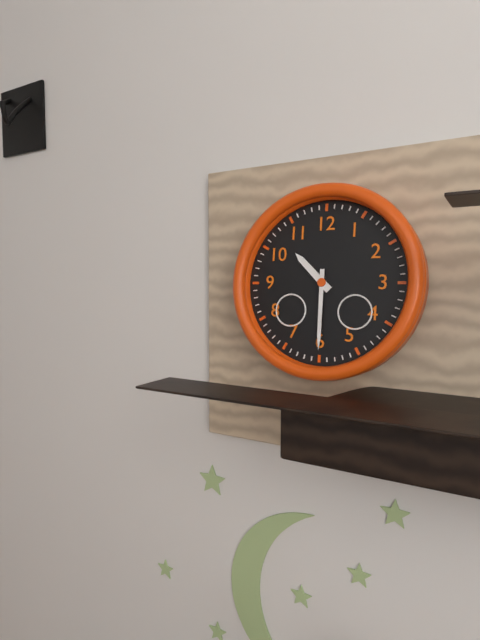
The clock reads h=10 m=30
